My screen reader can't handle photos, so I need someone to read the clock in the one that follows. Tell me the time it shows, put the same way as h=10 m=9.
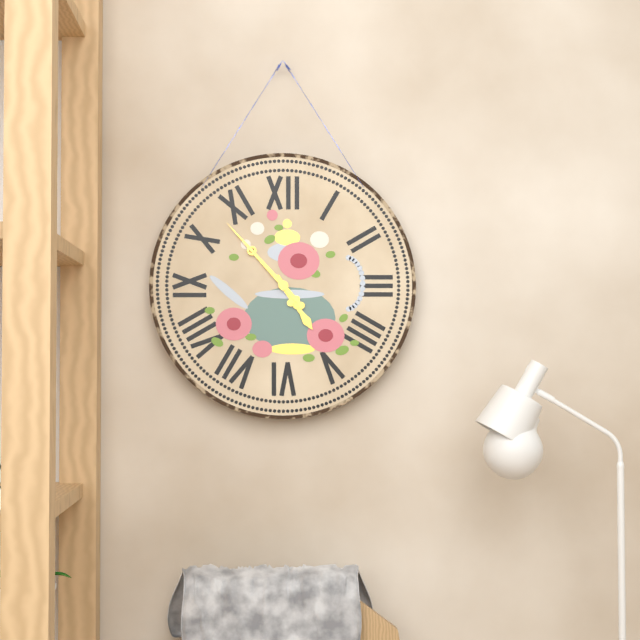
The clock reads h=4 m=53
